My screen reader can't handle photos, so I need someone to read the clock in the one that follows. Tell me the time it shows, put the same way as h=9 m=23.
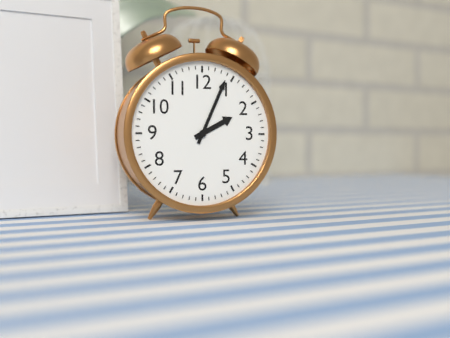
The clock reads h=2 m=4
